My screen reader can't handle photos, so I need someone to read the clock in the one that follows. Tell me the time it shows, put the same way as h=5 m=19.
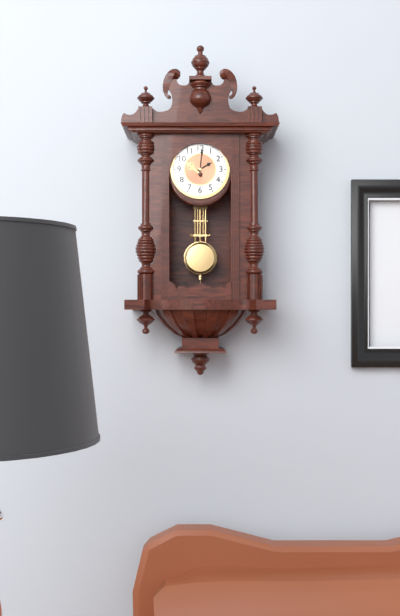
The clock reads h=2 m=1
